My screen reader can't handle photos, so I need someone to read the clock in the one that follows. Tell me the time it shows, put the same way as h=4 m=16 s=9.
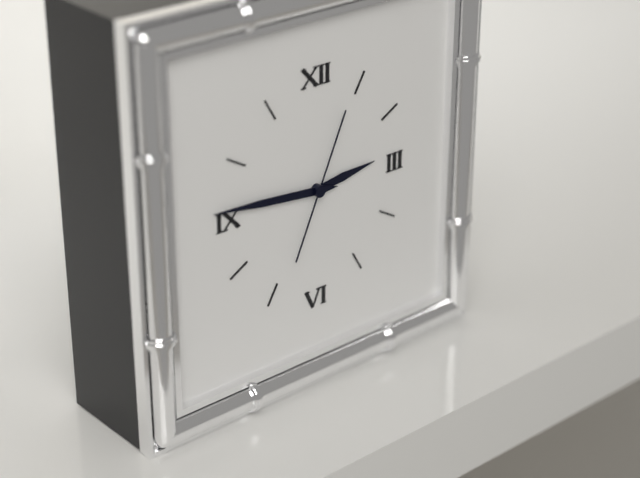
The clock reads h=2 m=46 s=4
